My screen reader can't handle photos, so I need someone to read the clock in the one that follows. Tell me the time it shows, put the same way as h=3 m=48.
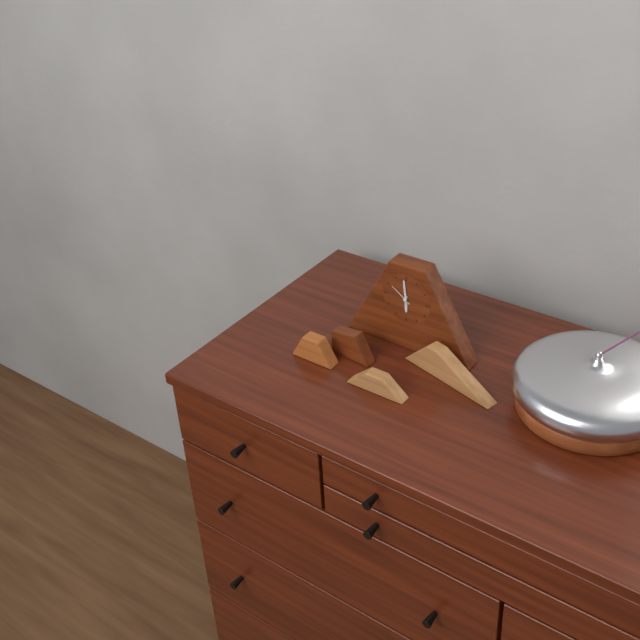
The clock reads h=5 m=59
